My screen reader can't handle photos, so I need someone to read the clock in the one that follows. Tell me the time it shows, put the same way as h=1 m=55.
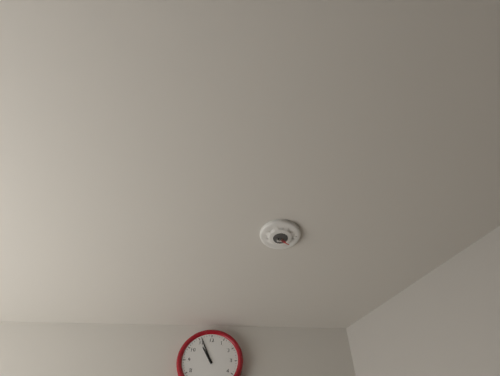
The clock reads h=10 m=56
